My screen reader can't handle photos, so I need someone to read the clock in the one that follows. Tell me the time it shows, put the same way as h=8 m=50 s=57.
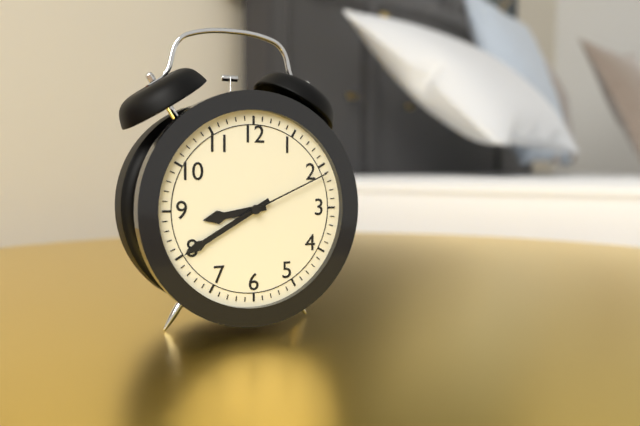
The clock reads h=8 m=40 s=11
